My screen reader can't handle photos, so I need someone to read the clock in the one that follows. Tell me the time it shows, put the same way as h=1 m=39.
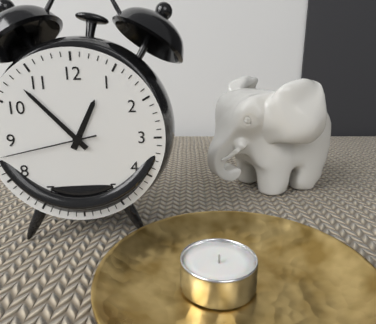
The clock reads h=12 m=53
